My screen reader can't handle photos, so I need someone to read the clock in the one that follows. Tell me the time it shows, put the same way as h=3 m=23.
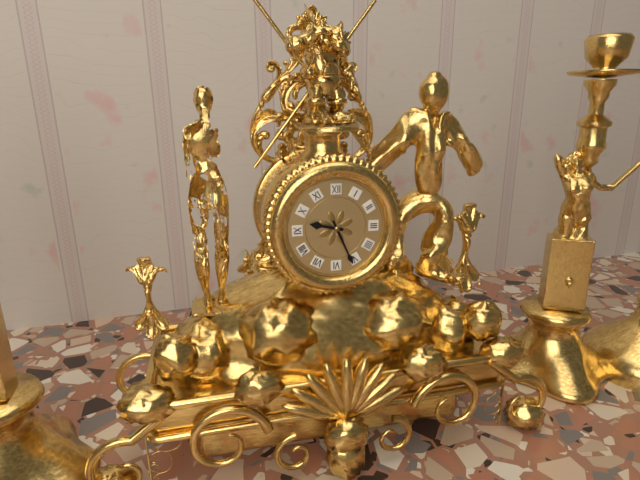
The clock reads h=9 m=26
